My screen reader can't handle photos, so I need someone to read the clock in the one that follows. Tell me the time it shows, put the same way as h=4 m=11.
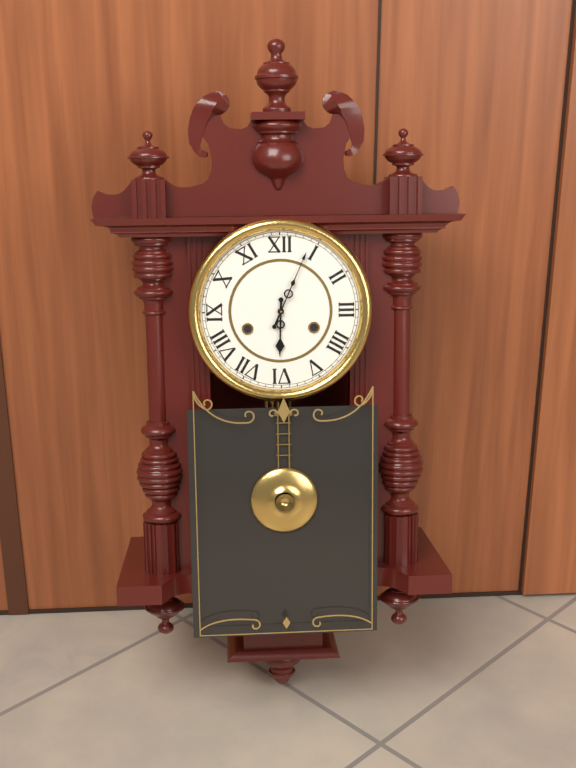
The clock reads h=6 m=4
